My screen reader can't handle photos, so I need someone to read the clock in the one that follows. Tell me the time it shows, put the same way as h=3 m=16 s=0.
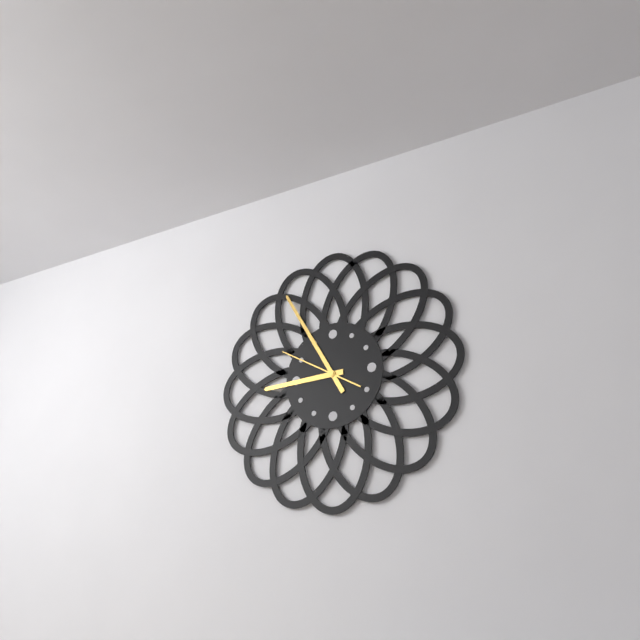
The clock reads h=8 m=55 s=50
